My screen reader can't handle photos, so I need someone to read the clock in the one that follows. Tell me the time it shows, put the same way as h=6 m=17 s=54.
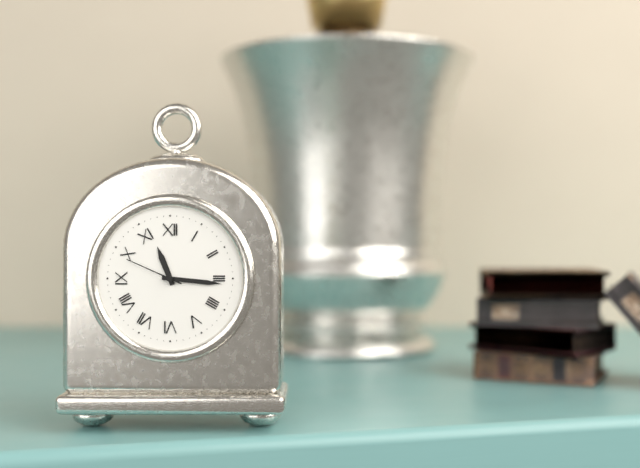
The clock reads h=11 m=16 s=49
